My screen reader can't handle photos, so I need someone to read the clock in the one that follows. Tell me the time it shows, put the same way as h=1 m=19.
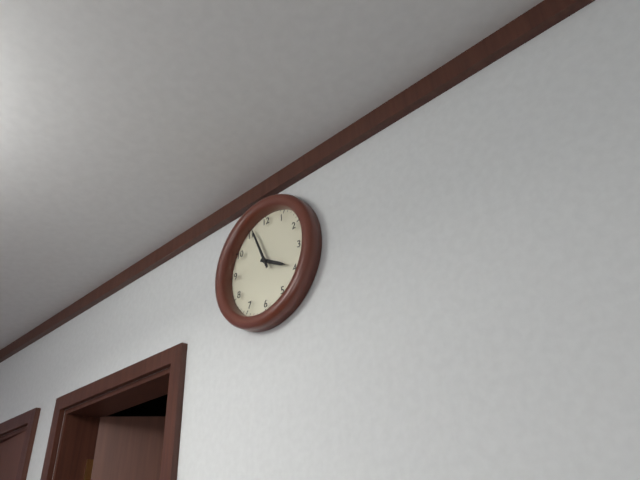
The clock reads h=3 m=56
